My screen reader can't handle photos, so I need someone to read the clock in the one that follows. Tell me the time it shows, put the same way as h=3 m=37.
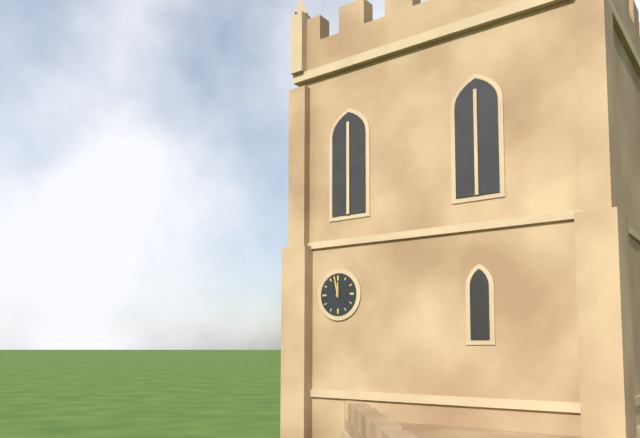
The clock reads h=11 m=58
